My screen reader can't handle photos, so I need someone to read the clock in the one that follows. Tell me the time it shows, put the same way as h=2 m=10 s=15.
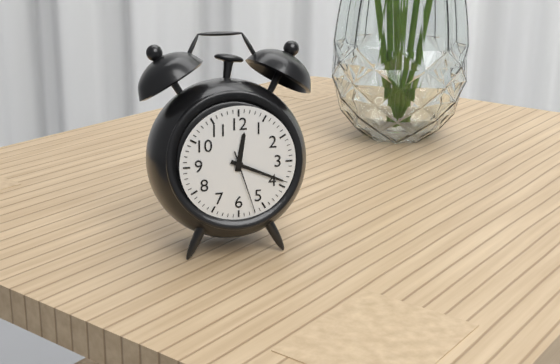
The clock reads h=12 m=19 s=27
